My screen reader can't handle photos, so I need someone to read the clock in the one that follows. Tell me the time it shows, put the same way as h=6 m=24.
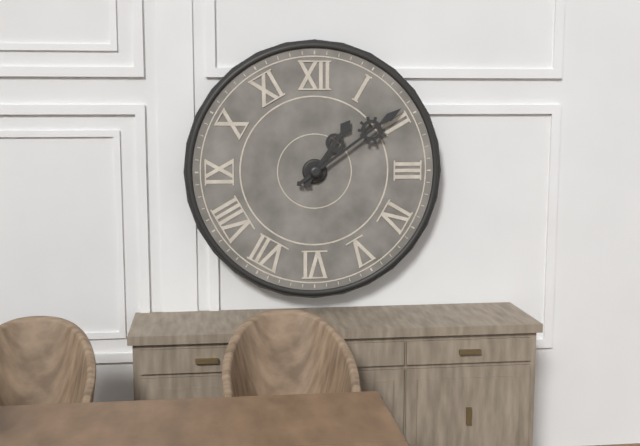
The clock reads h=1 m=9
